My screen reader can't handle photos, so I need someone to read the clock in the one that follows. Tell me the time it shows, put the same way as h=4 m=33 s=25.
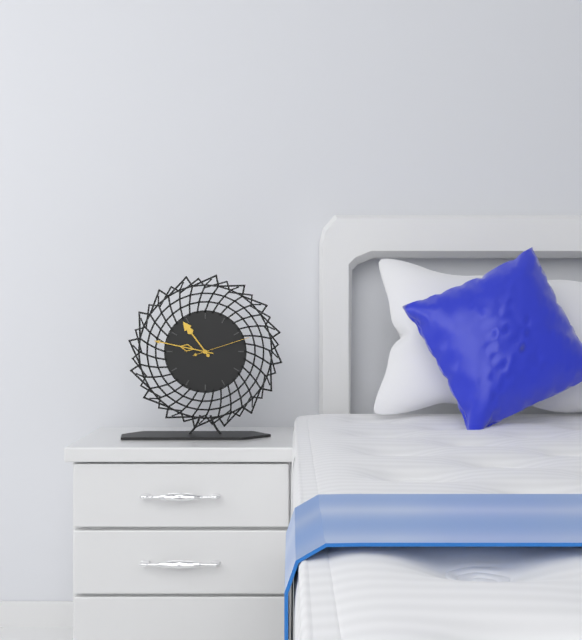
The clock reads h=10 m=47 s=12
